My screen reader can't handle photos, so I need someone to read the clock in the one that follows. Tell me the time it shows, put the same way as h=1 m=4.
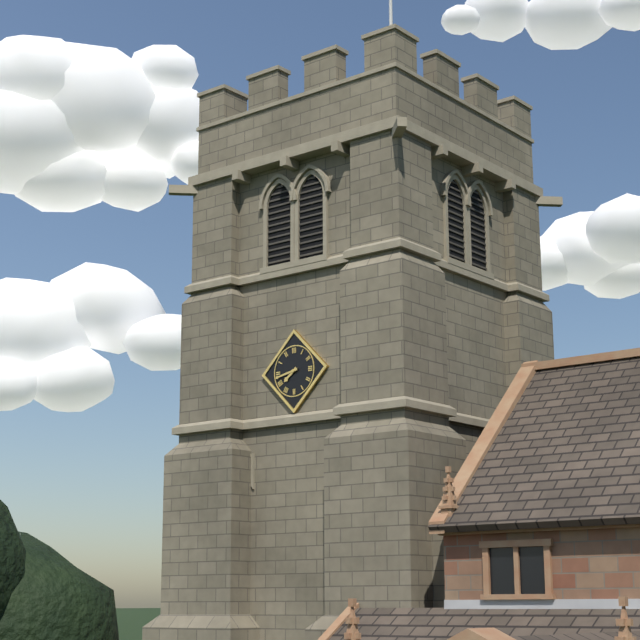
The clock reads h=7 m=43
